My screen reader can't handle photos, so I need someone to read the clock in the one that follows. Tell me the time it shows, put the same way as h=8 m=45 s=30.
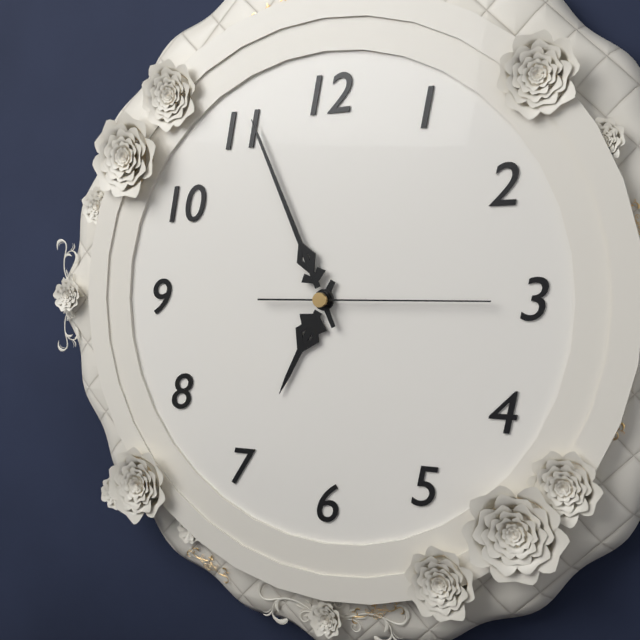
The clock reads h=6 m=56 s=15
